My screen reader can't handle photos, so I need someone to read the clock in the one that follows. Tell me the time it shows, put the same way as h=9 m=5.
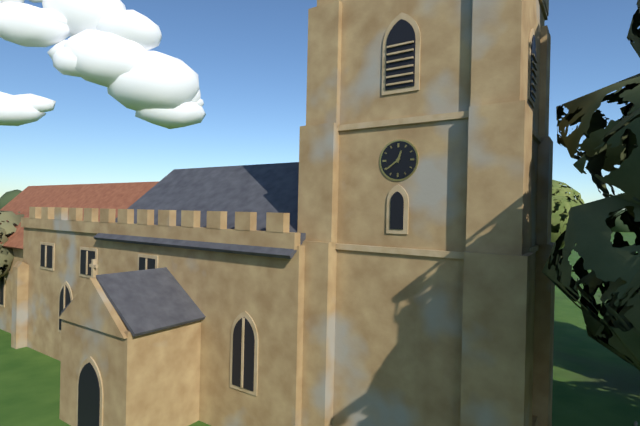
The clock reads h=12 m=39
